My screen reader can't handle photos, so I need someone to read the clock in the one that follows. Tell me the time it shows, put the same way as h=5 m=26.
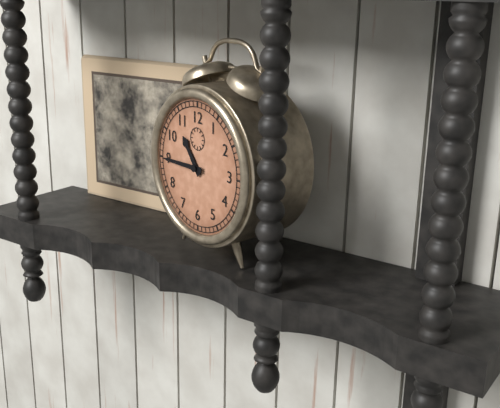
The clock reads h=10 m=45
